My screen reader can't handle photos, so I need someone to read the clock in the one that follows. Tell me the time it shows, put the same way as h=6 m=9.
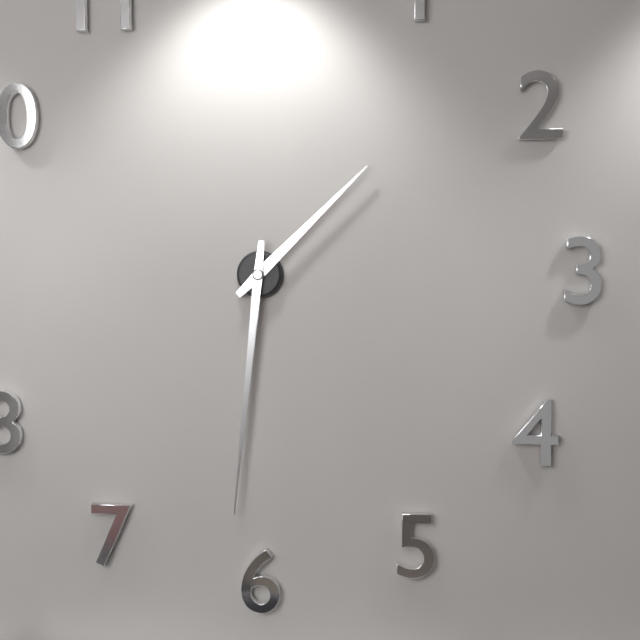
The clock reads h=1 m=31
